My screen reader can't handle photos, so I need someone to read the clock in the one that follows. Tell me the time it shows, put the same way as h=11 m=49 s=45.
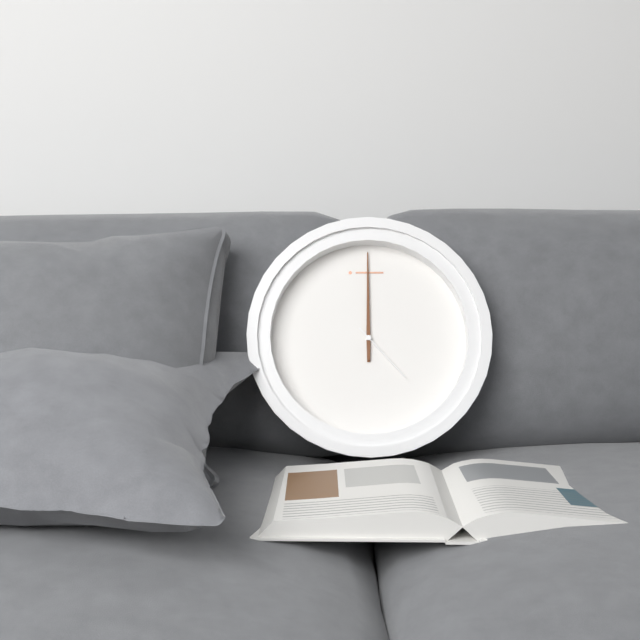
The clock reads h=12 m=0 s=23
